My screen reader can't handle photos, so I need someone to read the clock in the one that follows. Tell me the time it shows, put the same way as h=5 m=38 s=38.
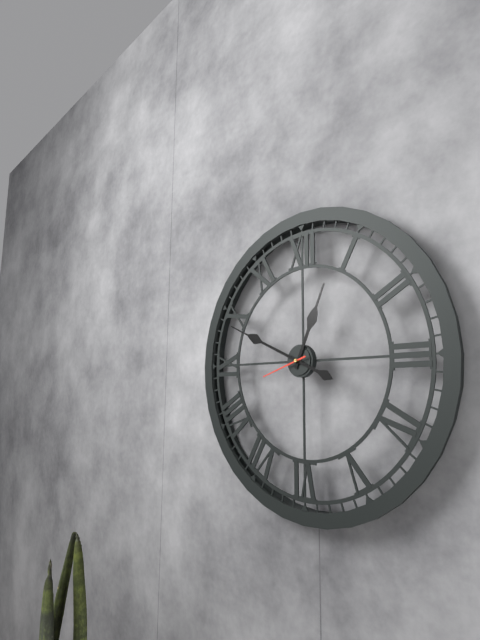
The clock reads h=12 m=49 s=42
